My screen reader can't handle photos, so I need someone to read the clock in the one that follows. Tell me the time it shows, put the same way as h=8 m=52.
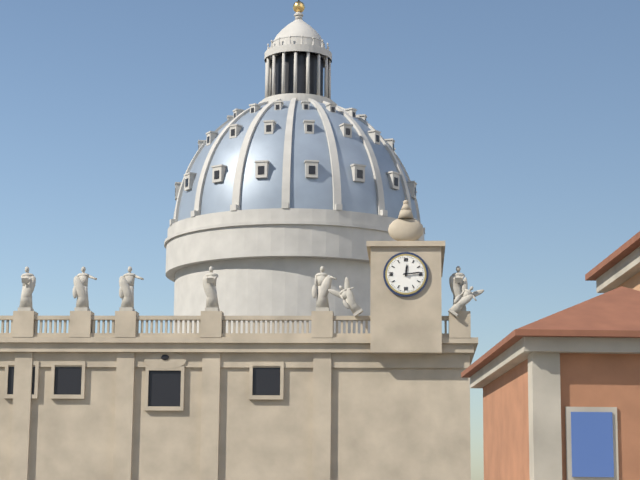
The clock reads h=12 m=14
